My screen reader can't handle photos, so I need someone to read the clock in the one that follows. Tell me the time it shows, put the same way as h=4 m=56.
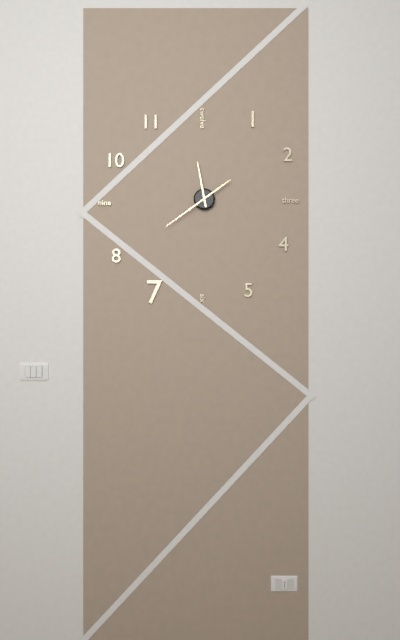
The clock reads h=11 m=39
